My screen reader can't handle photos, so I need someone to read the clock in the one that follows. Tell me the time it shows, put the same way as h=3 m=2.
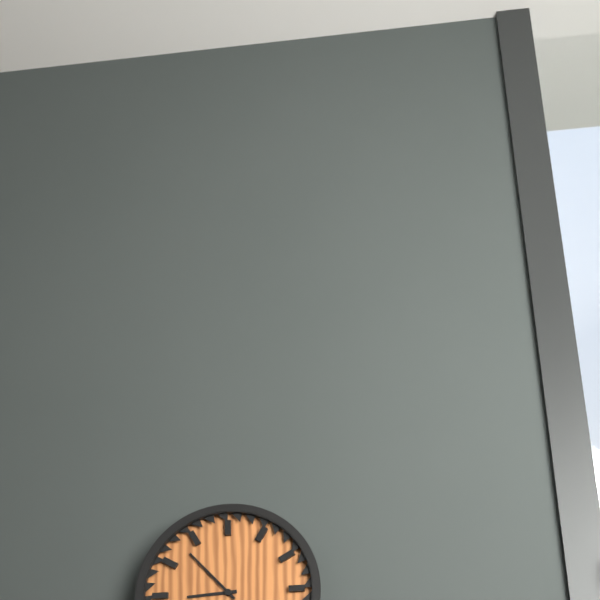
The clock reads h=8 m=53
